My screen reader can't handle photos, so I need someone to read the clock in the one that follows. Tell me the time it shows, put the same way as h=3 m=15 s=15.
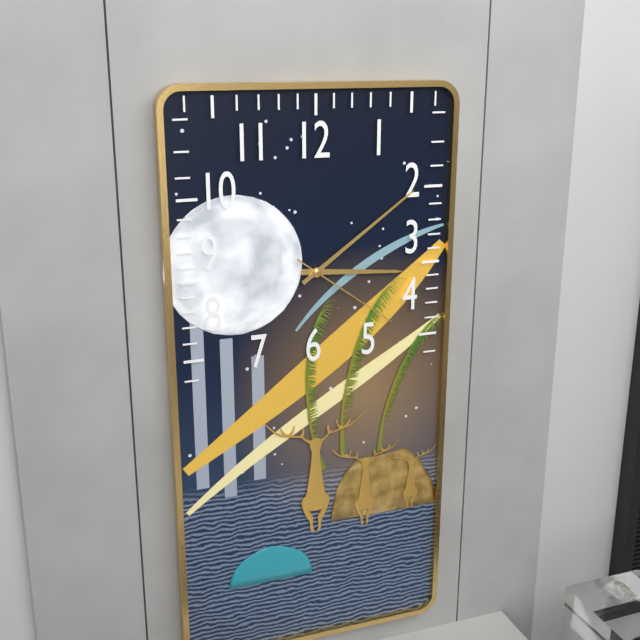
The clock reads h=3 m=9 s=21
